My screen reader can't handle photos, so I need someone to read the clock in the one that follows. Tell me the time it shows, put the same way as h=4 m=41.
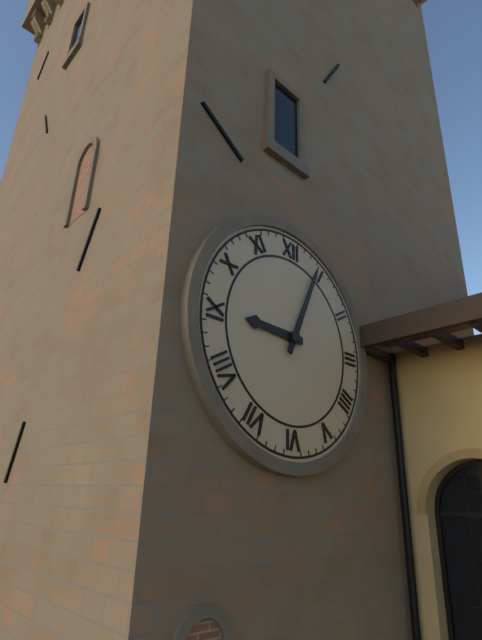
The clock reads h=9 m=4
